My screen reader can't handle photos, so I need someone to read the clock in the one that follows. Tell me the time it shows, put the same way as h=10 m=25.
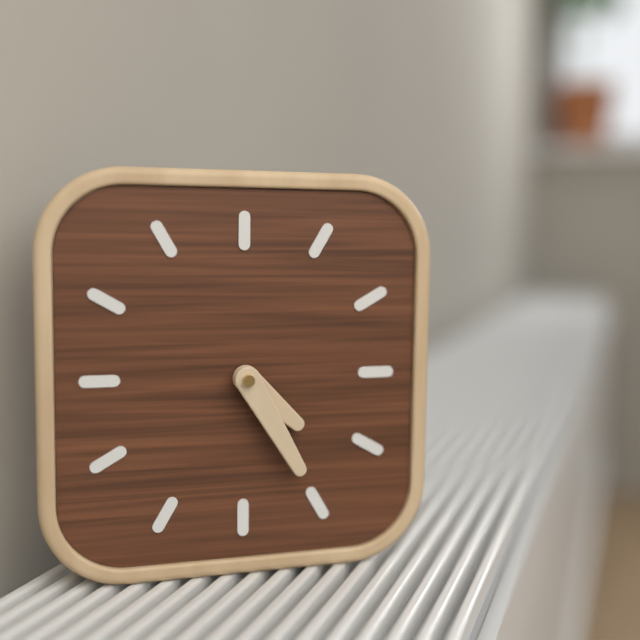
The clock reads h=4 m=25
